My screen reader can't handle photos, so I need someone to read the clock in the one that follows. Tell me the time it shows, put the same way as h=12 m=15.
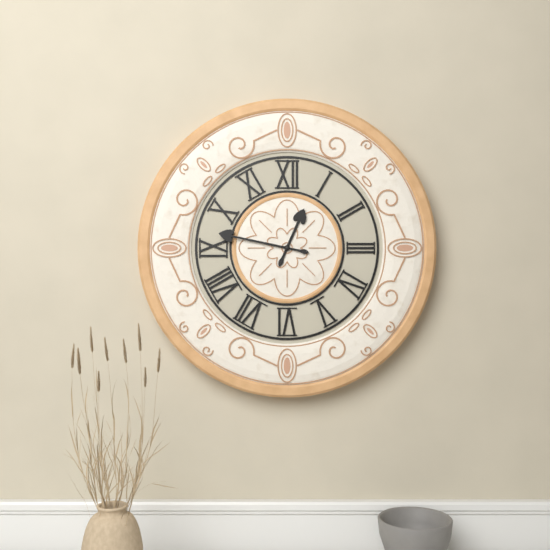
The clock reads h=12 m=47
